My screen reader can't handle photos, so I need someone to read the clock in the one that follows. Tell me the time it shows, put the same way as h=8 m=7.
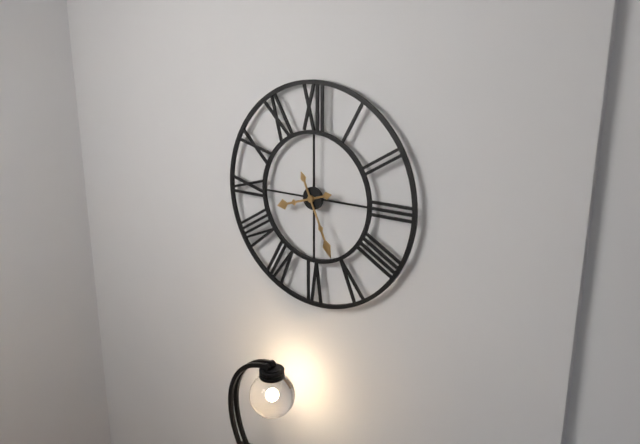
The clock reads h=8 m=26
